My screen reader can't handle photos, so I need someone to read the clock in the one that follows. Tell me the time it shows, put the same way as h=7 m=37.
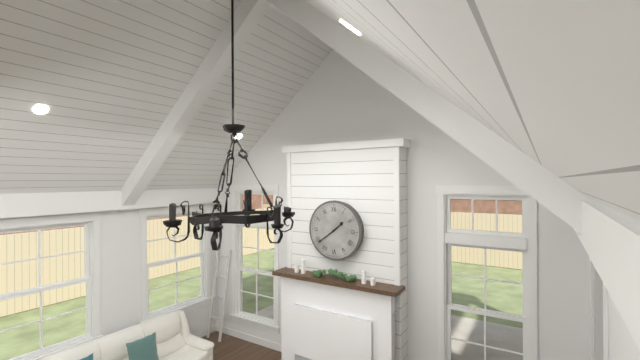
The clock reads h=1 m=39
